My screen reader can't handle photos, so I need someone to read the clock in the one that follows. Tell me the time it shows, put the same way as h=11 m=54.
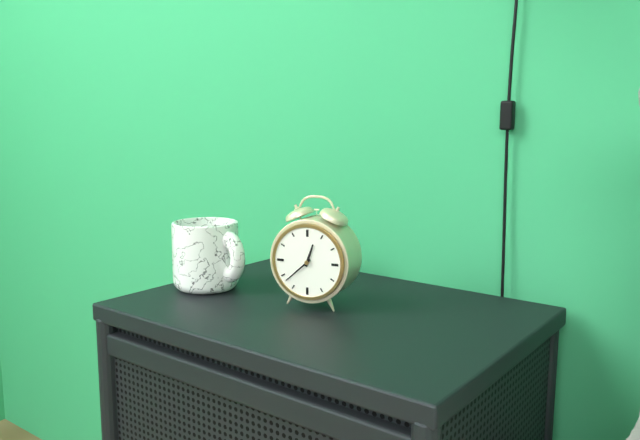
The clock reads h=12 m=38
